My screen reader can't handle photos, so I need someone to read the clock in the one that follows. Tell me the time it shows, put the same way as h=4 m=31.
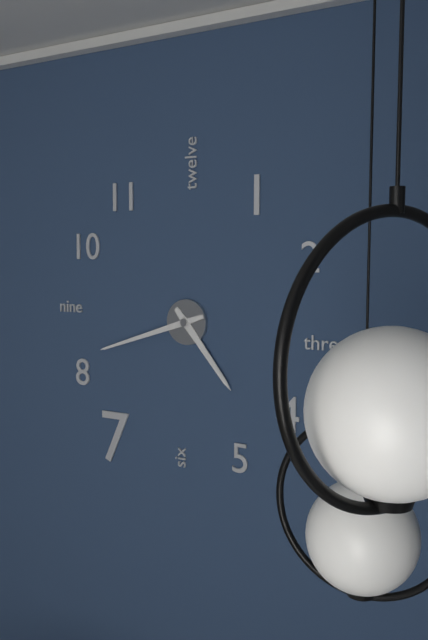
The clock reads h=4 m=42
